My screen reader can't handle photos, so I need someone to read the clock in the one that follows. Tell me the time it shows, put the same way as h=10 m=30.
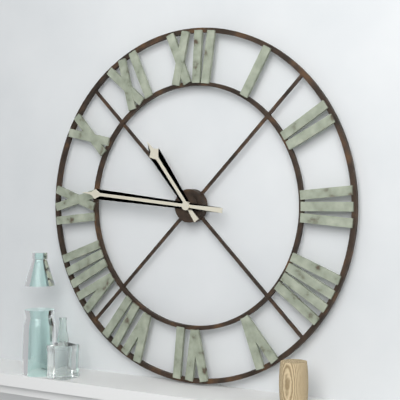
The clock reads h=10 m=46
